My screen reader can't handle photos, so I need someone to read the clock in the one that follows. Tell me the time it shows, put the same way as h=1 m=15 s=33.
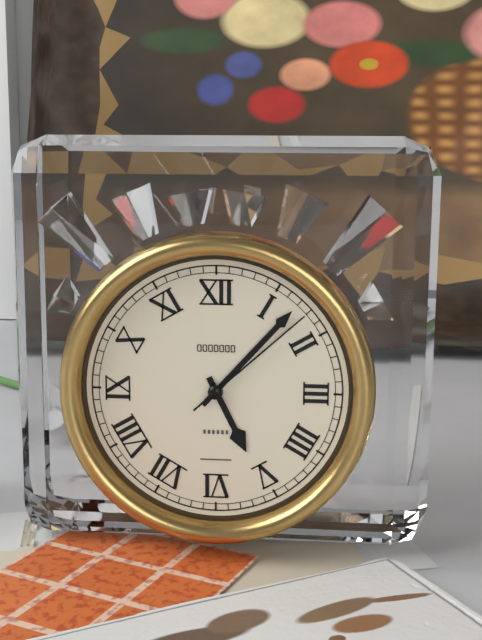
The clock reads h=5 m=7 s=8
